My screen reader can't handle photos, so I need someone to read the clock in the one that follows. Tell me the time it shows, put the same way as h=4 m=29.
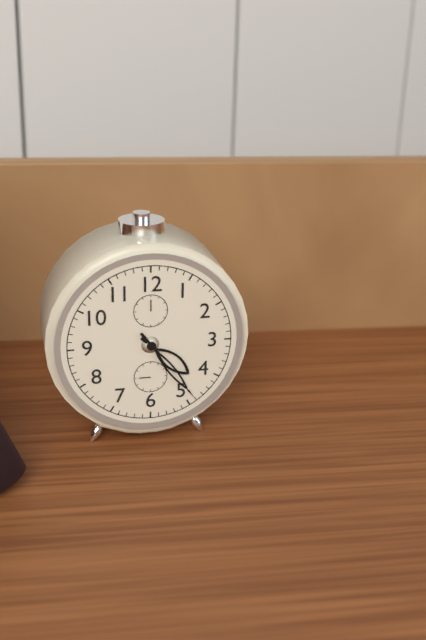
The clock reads h=4 m=24
